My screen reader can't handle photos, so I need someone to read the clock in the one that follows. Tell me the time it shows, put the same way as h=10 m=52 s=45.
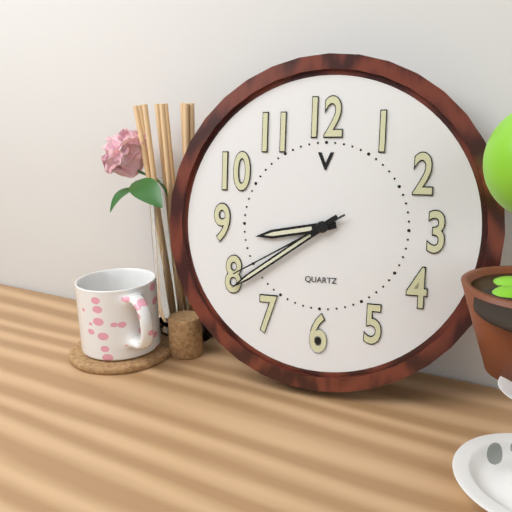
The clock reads h=8 m=39 s=40
